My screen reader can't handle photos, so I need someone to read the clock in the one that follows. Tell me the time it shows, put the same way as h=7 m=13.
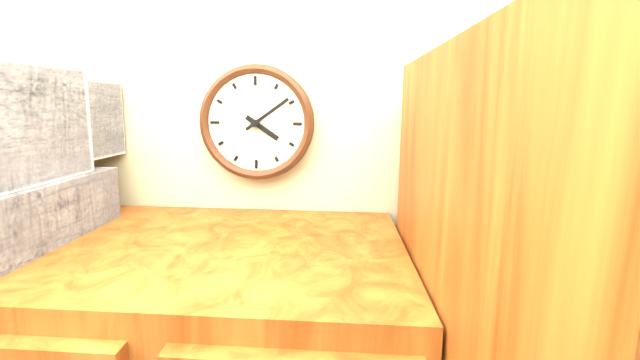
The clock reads h=4 m=9
